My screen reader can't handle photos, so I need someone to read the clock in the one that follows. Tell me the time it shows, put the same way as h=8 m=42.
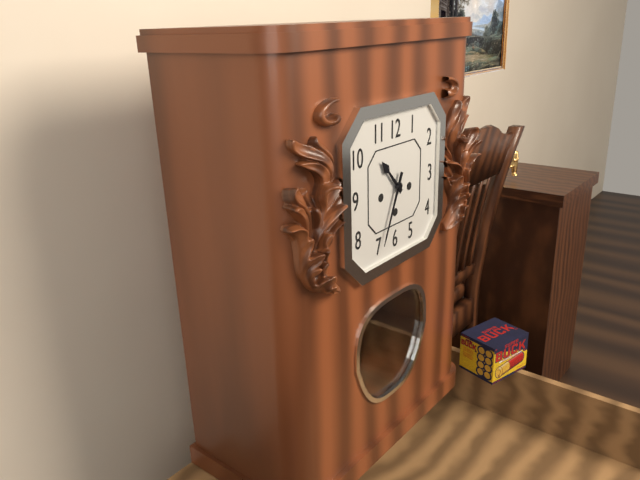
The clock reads h=10 m=34
